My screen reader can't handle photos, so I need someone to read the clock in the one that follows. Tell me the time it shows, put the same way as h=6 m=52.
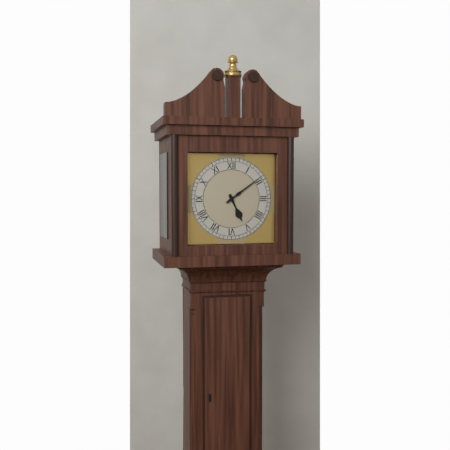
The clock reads h=5 m=9
